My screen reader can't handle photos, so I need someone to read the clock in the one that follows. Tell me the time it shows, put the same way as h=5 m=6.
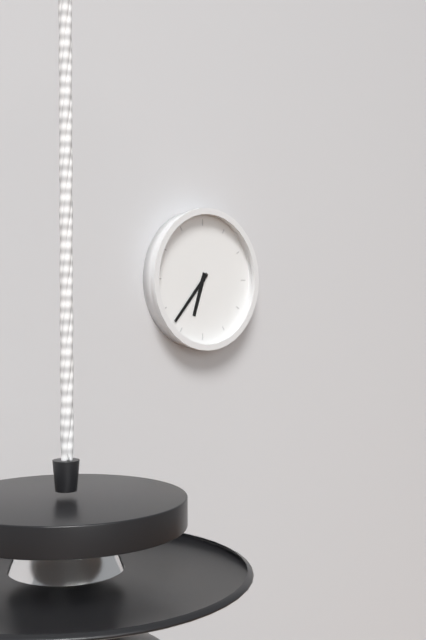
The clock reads h=6 m=37
